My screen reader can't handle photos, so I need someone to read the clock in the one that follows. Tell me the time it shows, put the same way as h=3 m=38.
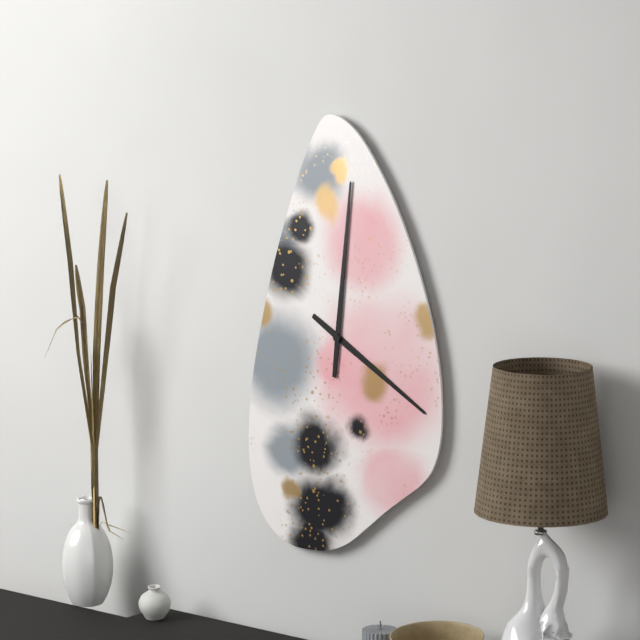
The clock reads h=4 m=1
